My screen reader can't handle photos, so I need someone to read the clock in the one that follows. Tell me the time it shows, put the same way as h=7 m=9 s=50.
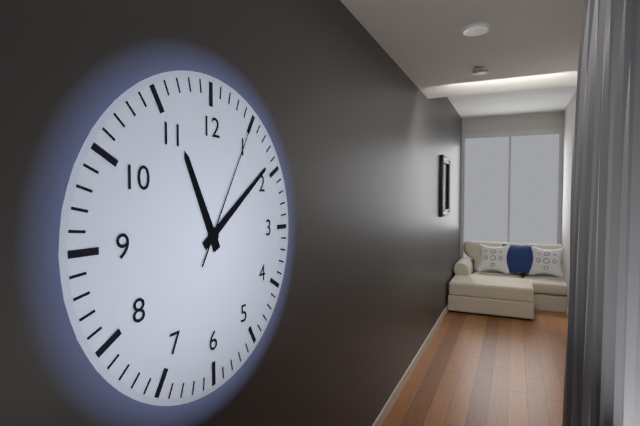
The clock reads h=11 m=9 s=5
